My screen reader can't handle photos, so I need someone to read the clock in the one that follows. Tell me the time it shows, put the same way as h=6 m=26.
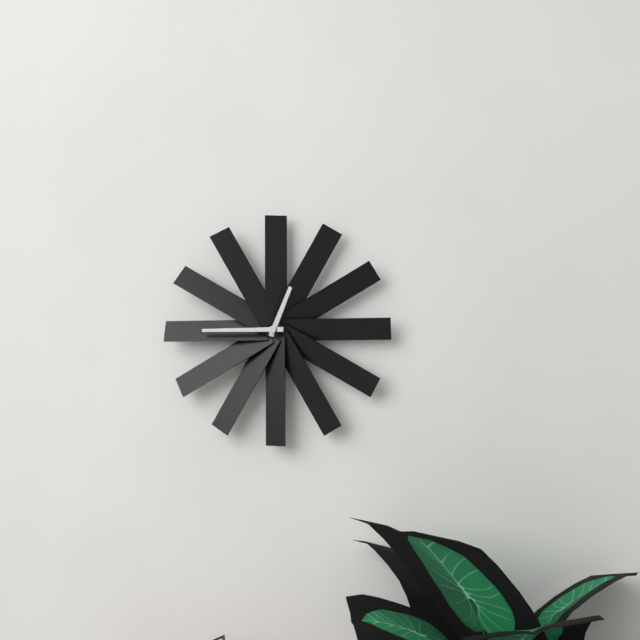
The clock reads h=12 m=45
